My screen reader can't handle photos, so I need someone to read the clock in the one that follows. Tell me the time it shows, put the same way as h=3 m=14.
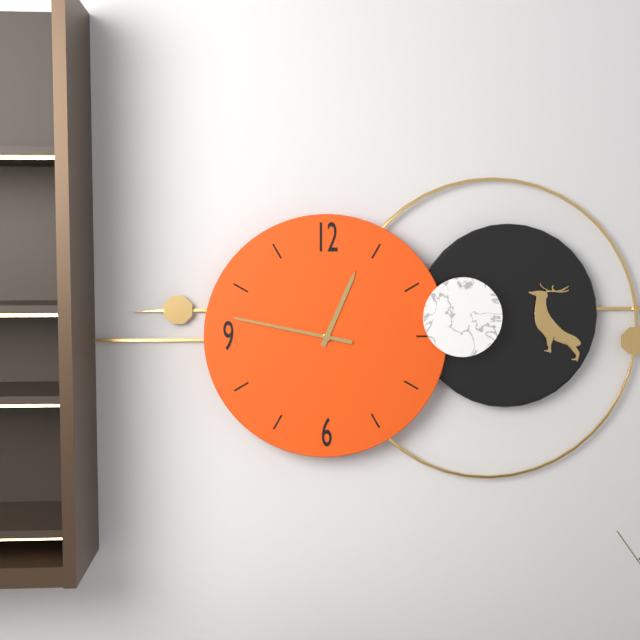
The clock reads h=12 m=47
